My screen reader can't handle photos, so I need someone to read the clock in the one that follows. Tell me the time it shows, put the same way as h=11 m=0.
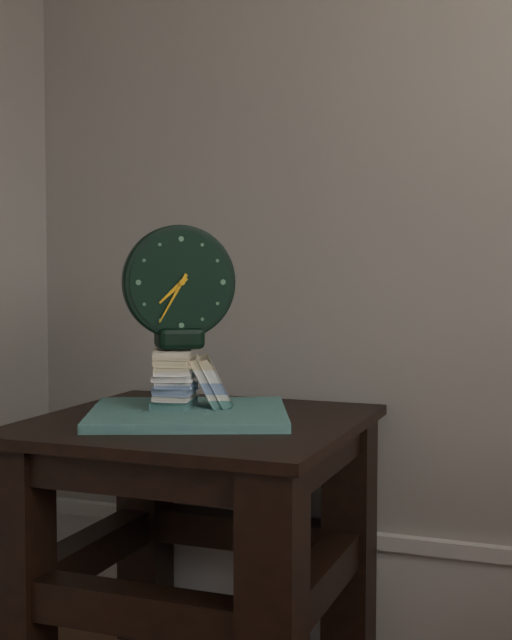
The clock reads h=7 m=35
